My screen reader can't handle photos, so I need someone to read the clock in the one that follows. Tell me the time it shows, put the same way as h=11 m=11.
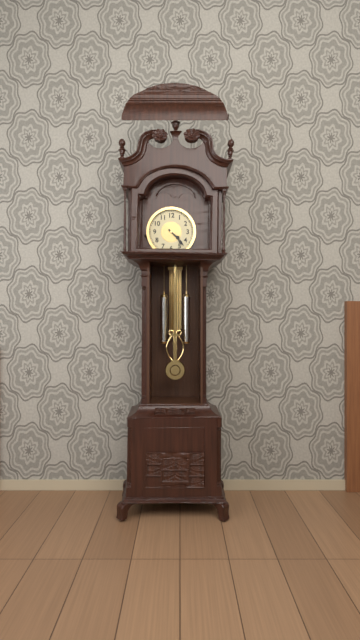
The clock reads h=4 m=23
